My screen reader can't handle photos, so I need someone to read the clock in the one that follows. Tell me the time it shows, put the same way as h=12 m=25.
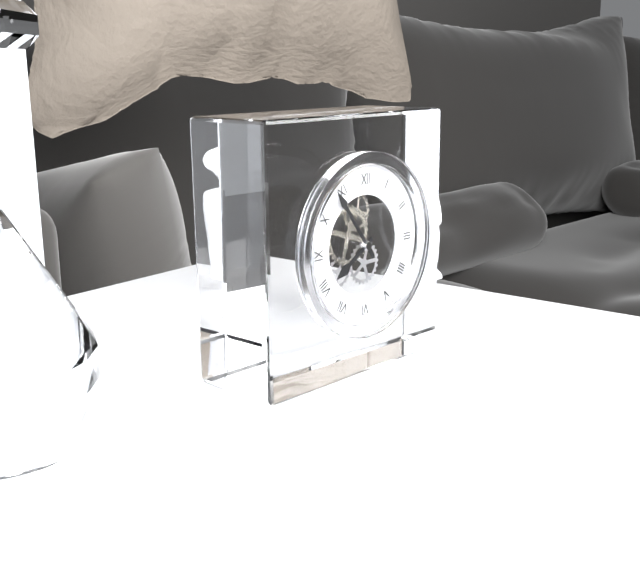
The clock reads h=7 m=54
